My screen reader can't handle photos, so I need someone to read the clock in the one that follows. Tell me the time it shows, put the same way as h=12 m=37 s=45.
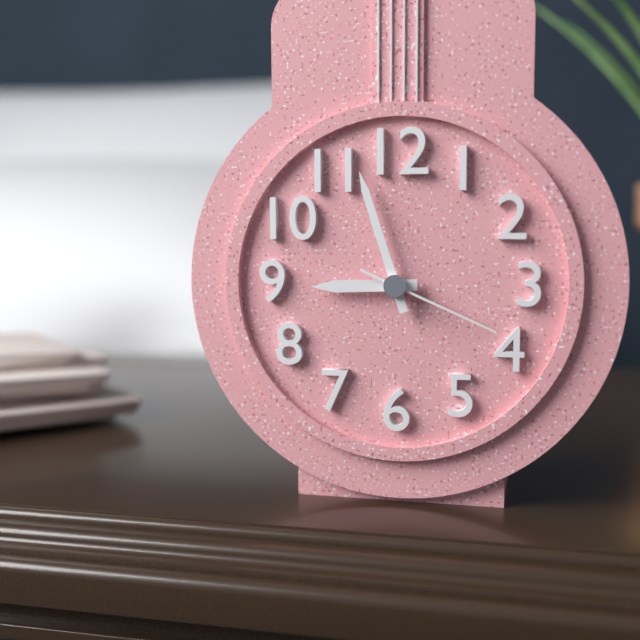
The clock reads h=8 m=57 s=19
